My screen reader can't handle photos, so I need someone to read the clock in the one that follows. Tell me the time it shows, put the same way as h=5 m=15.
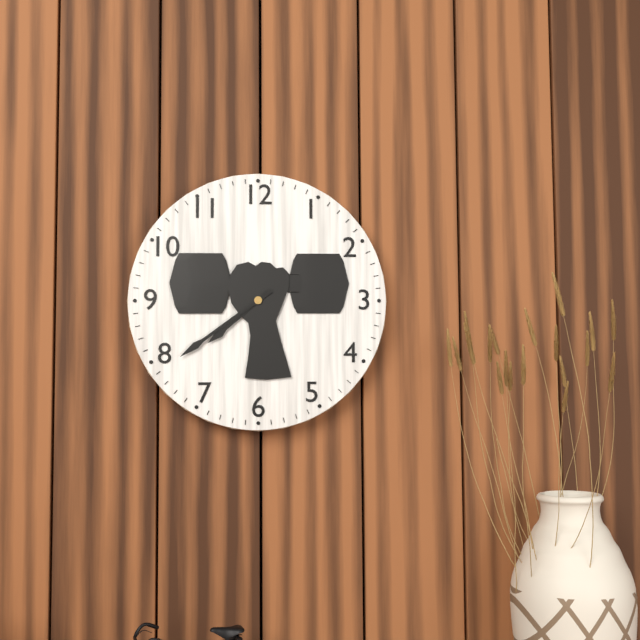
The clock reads h=7 m=39
